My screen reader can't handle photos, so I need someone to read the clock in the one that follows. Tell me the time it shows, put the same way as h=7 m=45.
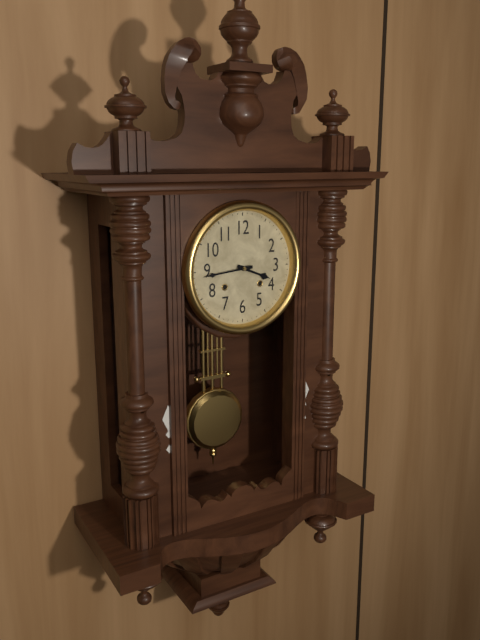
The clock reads h=3 m=44
